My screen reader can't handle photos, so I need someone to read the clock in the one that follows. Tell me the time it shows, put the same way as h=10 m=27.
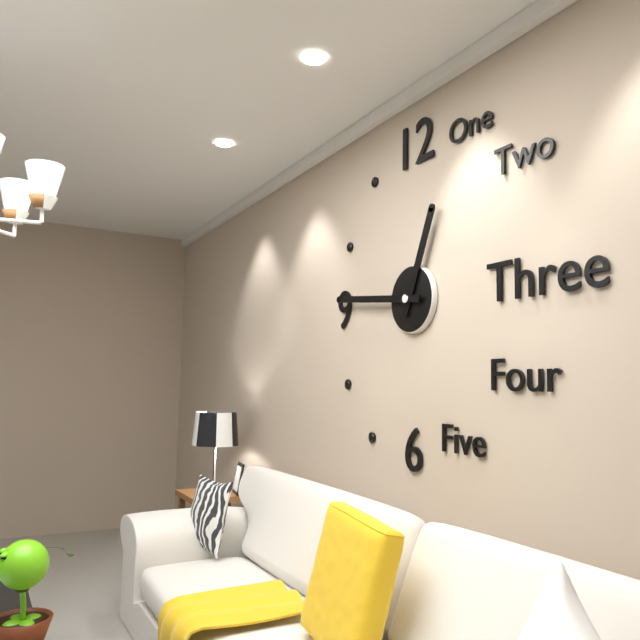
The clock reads h=12 m=46
